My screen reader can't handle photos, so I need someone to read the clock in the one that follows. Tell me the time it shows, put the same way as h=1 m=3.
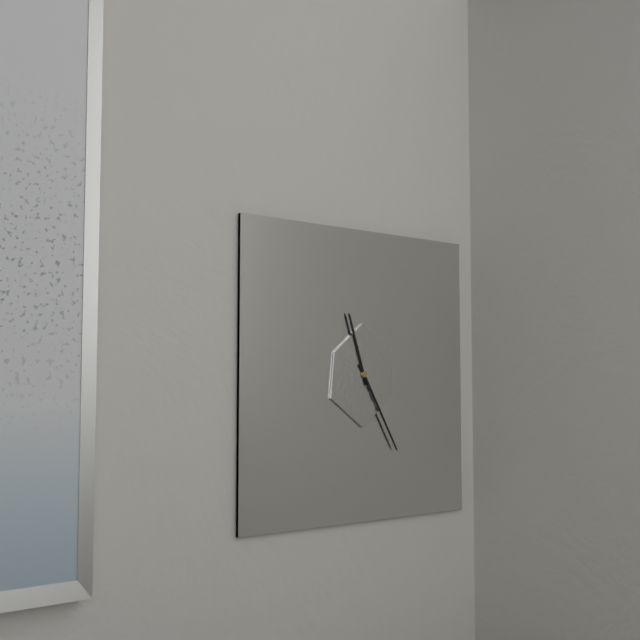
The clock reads h=11 m=25
